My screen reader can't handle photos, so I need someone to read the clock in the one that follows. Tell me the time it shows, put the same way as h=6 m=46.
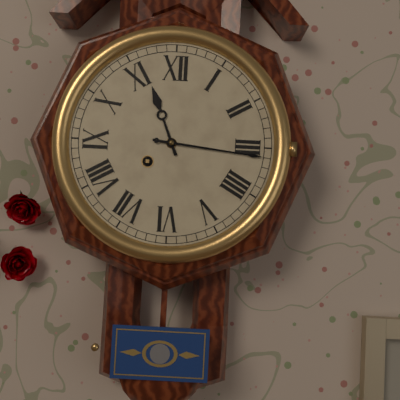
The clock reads h=11 m=16
